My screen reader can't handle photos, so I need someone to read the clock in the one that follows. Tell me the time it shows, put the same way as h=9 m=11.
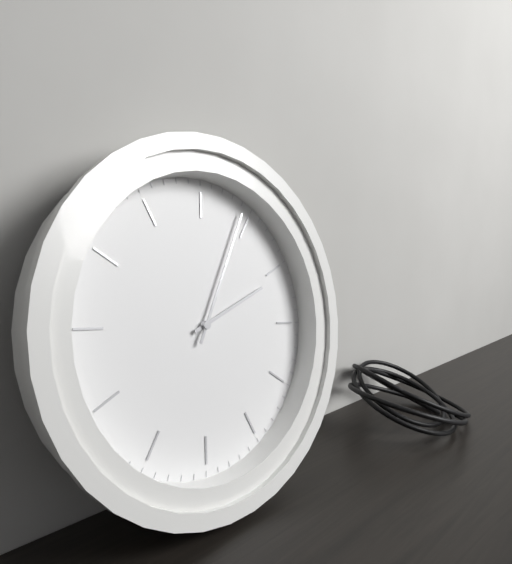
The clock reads h=3 m=9
